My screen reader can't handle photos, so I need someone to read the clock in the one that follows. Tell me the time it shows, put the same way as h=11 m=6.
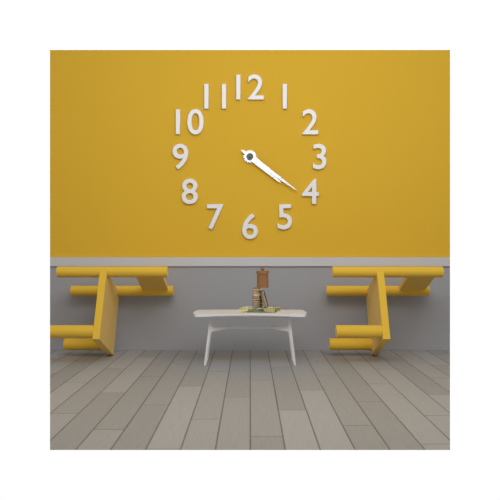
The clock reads h=4 m=21
